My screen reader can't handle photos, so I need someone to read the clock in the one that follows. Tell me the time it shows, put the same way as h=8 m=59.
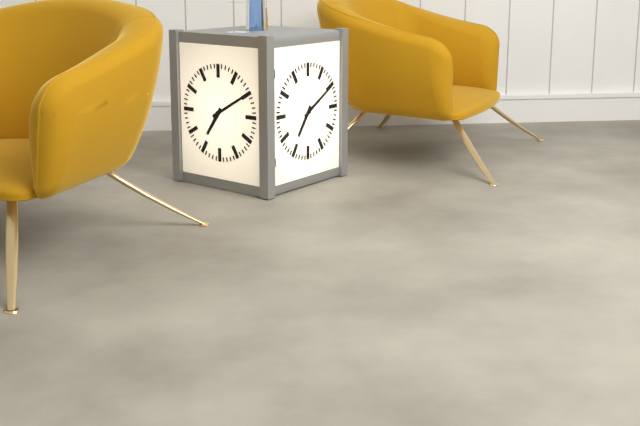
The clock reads h=7 m=10
